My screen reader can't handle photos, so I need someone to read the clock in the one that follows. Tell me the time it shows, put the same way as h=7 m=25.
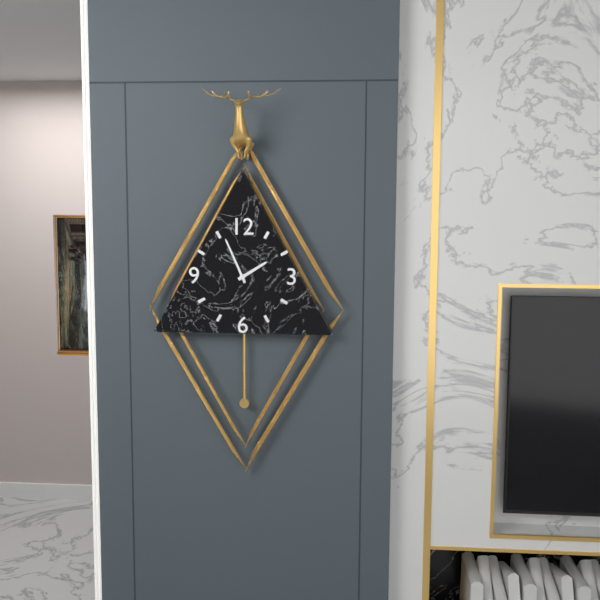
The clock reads h=1 m=56
